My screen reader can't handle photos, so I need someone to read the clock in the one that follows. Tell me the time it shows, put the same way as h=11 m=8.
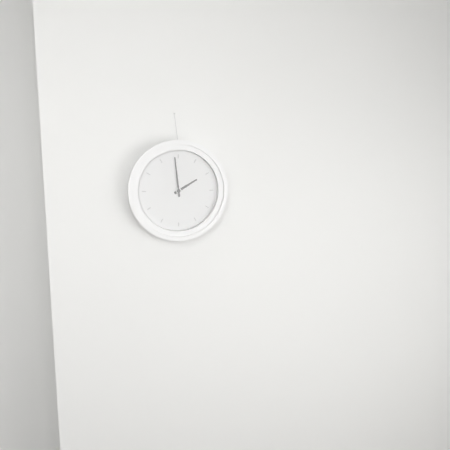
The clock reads h=1 m=59
